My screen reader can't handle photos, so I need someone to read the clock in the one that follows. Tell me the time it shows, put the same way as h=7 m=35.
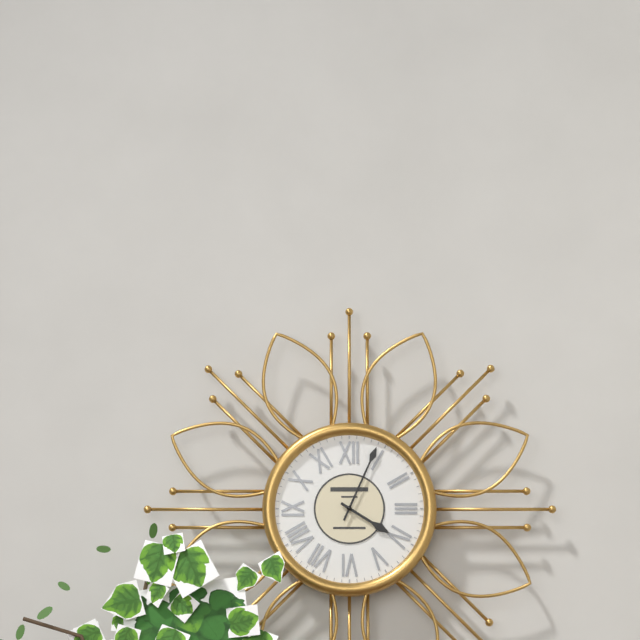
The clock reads h=4 m=4
